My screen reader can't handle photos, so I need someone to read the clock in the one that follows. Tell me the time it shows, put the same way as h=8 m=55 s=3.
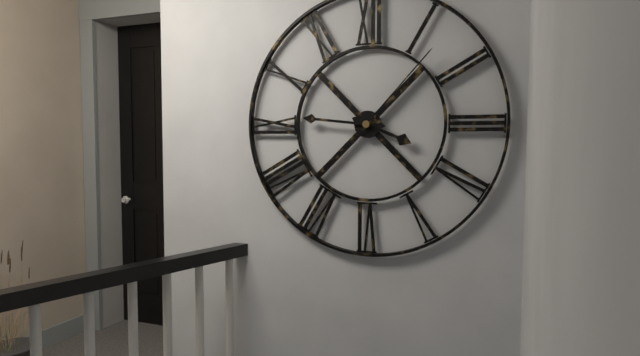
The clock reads h=3 m=46 s=7
